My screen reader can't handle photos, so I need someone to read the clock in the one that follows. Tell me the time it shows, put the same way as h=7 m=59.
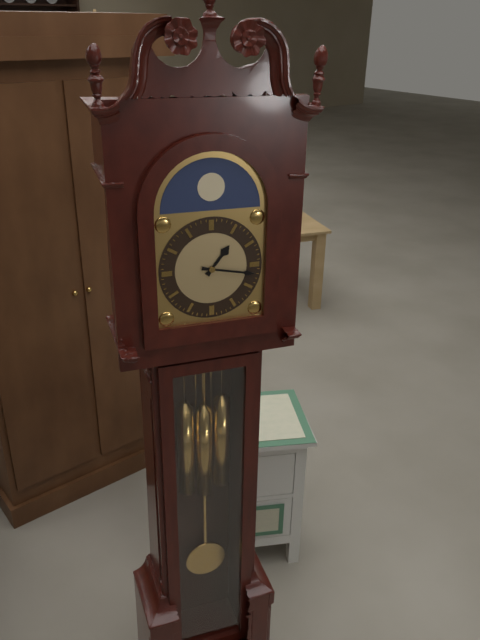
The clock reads h=1 m=17
